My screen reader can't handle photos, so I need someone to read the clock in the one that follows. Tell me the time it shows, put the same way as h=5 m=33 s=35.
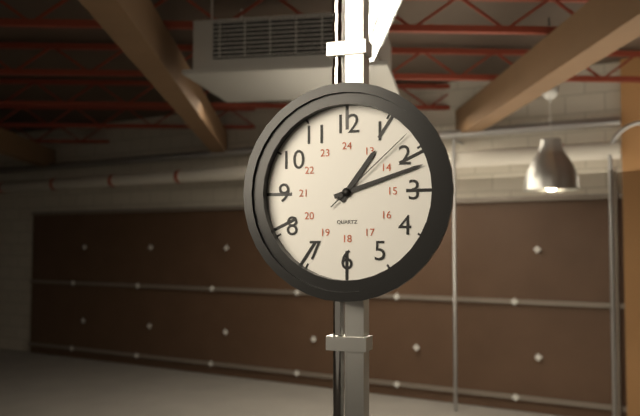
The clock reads h=1 m=12 s=8
